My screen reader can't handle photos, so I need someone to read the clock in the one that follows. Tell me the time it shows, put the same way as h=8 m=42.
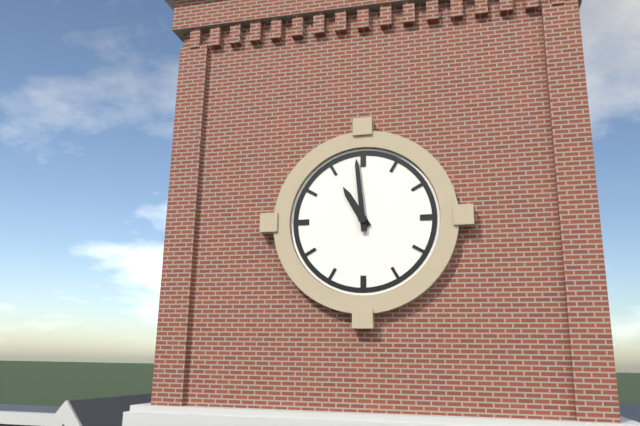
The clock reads h=10 m=59
